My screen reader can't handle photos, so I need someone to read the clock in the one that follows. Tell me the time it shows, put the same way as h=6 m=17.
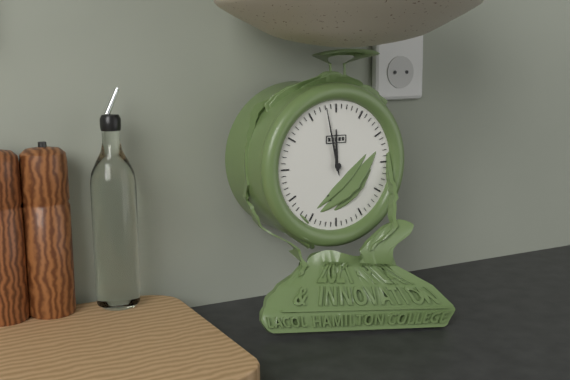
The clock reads h=11 m=58
